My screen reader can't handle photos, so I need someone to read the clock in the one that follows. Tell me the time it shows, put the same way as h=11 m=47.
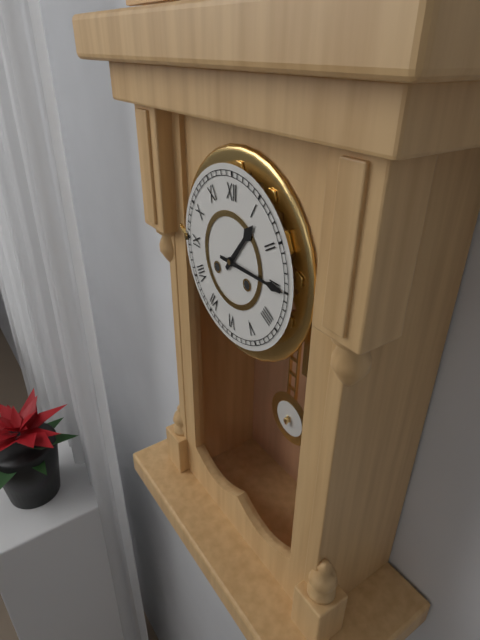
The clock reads h=1 m=15
